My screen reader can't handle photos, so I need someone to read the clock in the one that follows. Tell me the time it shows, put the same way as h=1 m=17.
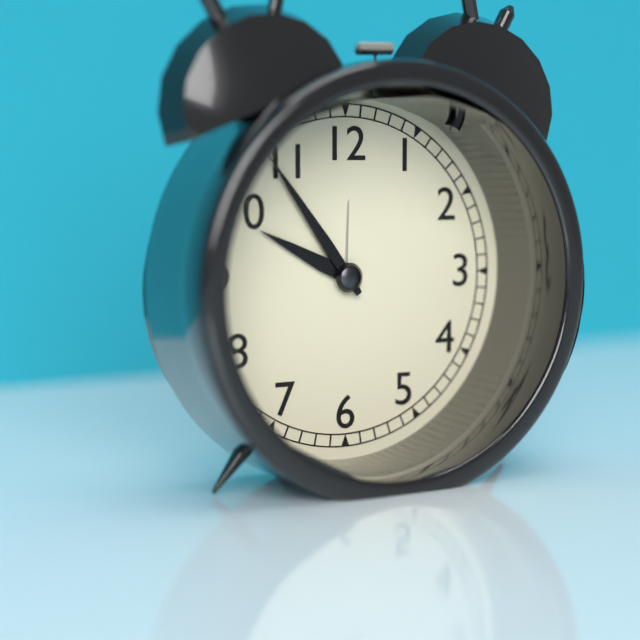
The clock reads h=9 m=54
